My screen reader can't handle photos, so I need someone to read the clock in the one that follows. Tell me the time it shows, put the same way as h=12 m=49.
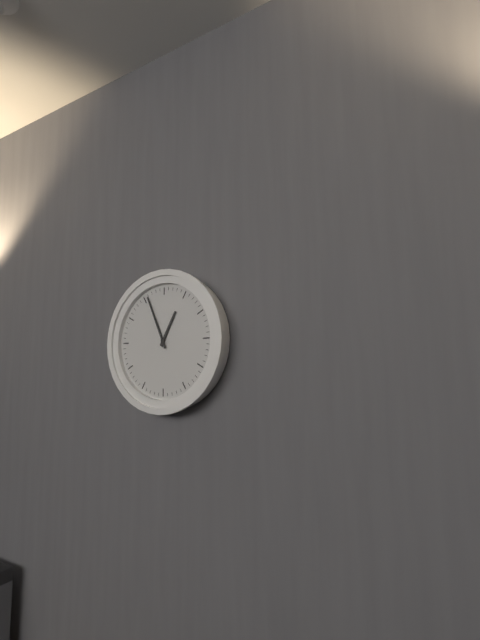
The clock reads h=12 m=56
